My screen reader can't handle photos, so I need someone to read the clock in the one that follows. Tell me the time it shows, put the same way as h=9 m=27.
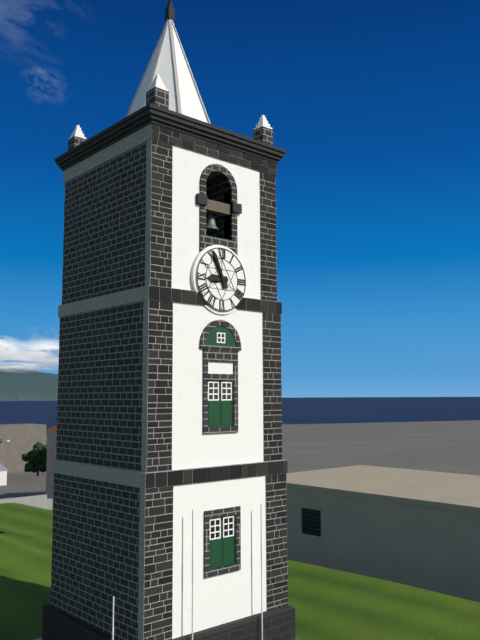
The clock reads h=8 m=56
